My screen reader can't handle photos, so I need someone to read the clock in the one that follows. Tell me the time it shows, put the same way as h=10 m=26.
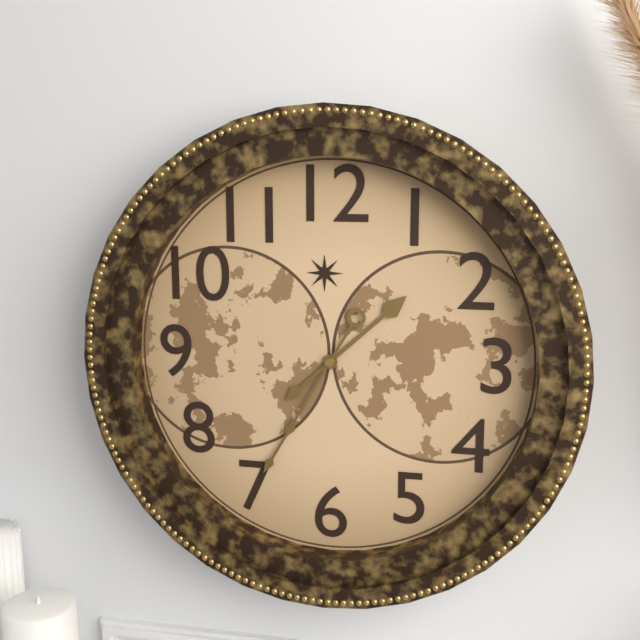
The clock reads h=1 m=35
